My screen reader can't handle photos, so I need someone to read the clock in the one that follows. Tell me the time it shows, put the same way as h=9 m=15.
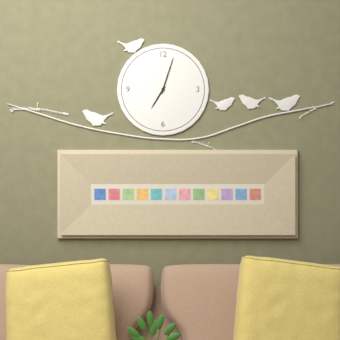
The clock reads h=7 m=3
